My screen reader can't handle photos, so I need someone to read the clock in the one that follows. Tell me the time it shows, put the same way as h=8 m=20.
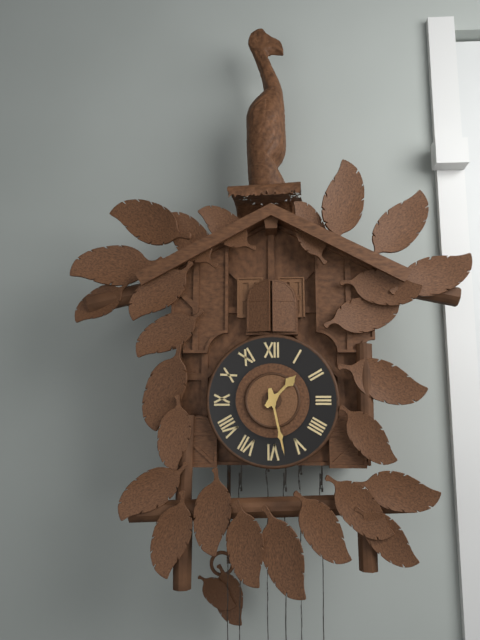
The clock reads h=1 m=28
